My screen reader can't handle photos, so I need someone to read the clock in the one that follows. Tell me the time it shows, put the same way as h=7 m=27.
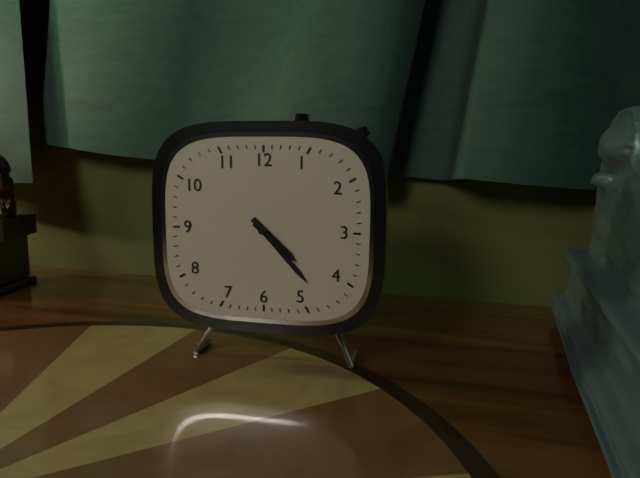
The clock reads h=4 m=23
